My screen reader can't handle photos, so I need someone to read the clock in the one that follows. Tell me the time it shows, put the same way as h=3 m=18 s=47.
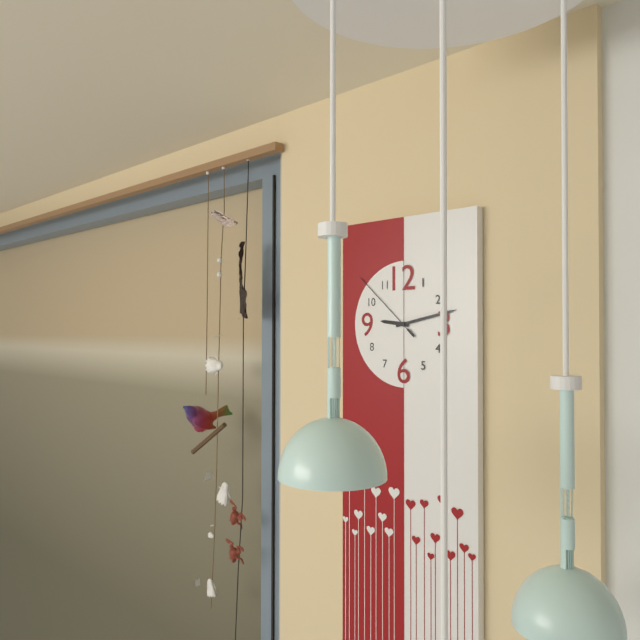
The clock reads h=9 m=13 s=52
